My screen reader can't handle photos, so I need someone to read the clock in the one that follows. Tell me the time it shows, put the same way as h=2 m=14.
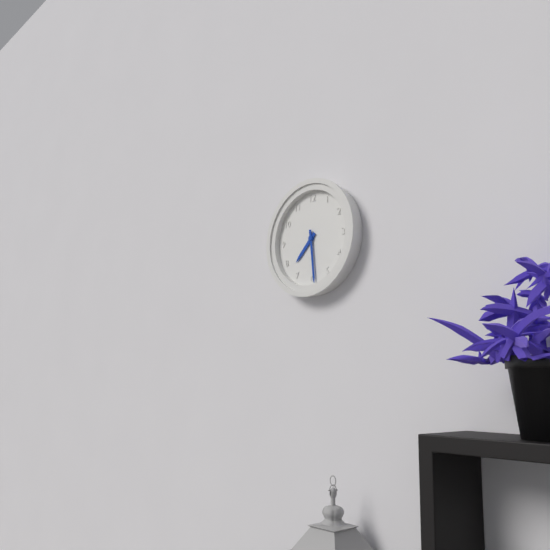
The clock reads h=7 m=29
